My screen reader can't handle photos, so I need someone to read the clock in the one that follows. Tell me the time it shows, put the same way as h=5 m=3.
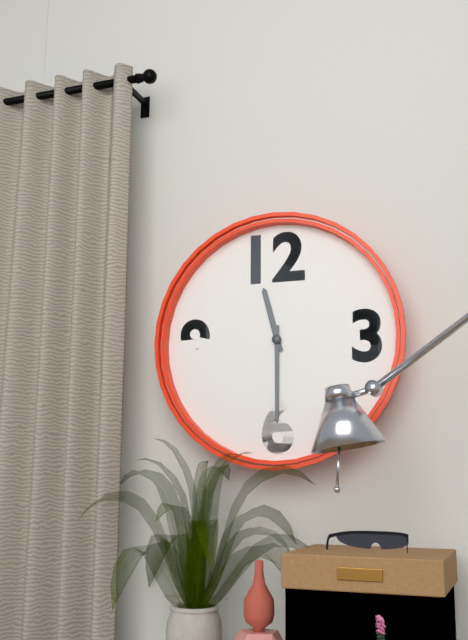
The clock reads h=11 m=30
